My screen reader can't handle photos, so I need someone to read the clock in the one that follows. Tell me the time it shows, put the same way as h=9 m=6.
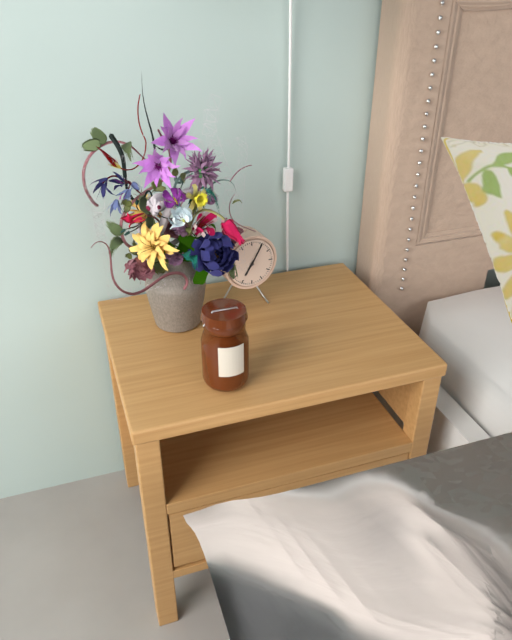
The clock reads h=7 m=5
